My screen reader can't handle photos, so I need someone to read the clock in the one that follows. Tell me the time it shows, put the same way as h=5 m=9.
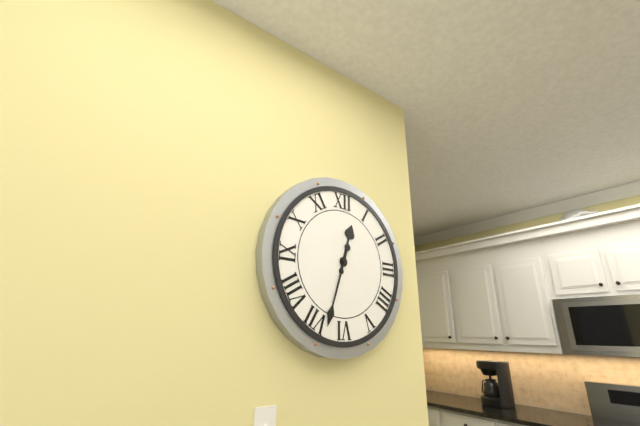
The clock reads h=12 m=33
